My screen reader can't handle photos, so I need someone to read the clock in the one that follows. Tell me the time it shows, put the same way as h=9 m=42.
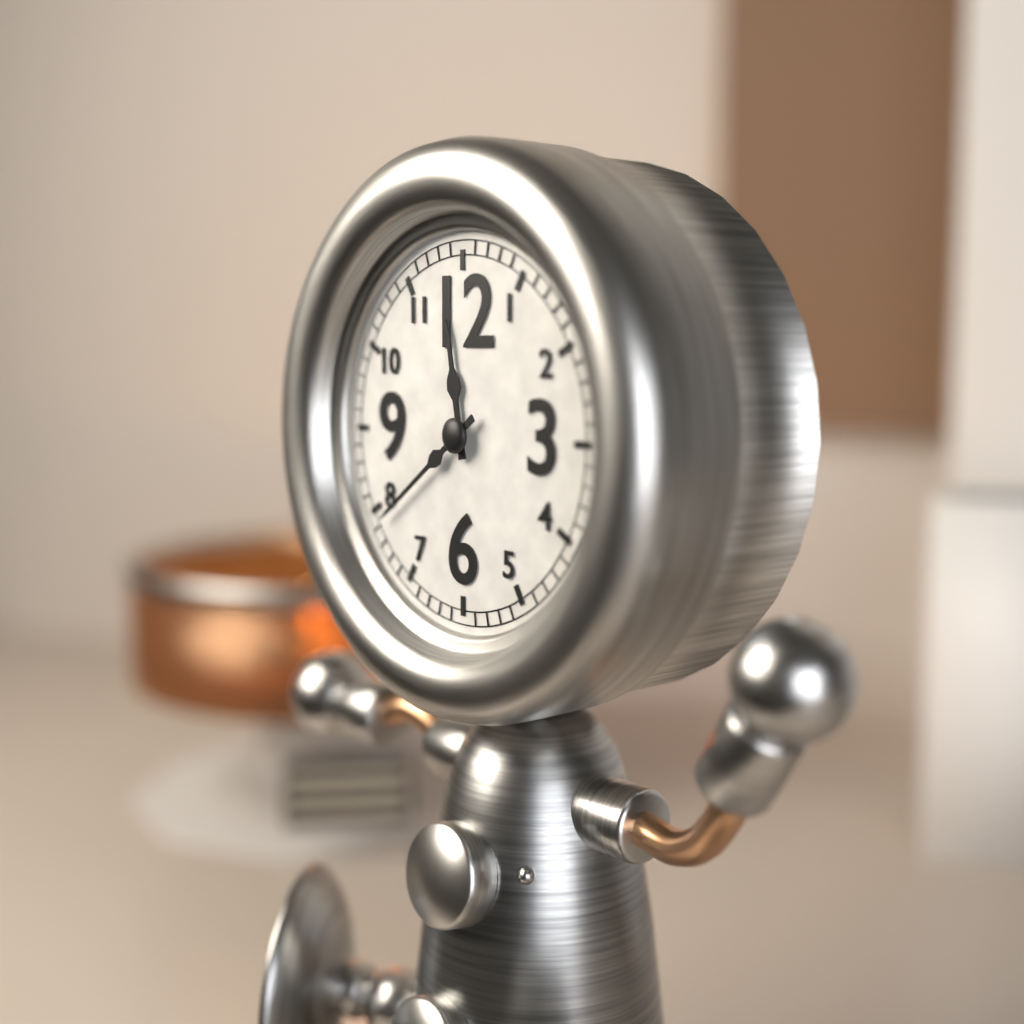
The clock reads h=11 m=39
